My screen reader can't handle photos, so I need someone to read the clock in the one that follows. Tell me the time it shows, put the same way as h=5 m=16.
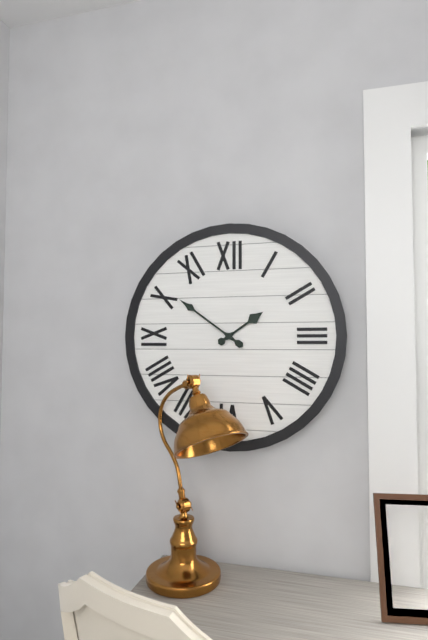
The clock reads h=1 m=51
